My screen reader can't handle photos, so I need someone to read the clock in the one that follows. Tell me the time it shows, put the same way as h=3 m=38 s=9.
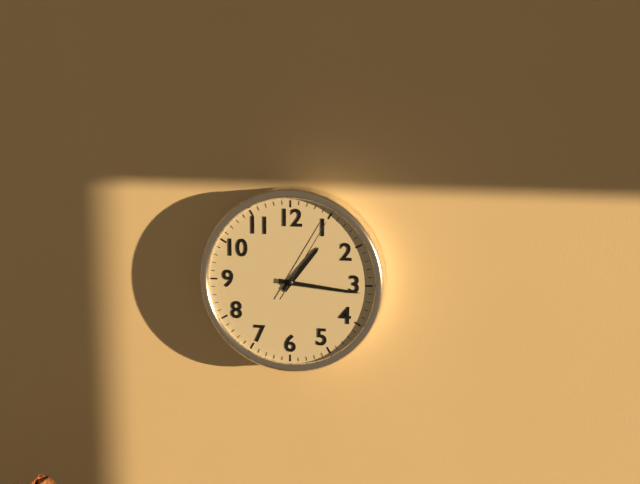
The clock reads h=1 m=16 s=5
